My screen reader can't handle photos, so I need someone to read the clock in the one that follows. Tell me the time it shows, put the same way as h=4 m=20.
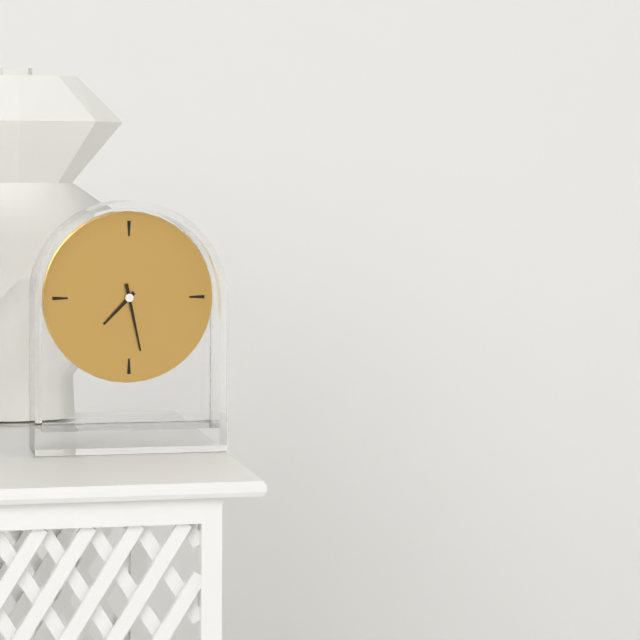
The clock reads h=7 m=28
